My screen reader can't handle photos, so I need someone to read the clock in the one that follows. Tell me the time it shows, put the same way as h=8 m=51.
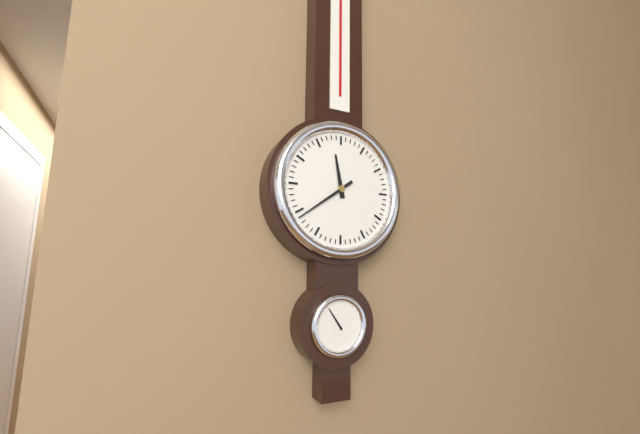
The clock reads h=11 m=39
